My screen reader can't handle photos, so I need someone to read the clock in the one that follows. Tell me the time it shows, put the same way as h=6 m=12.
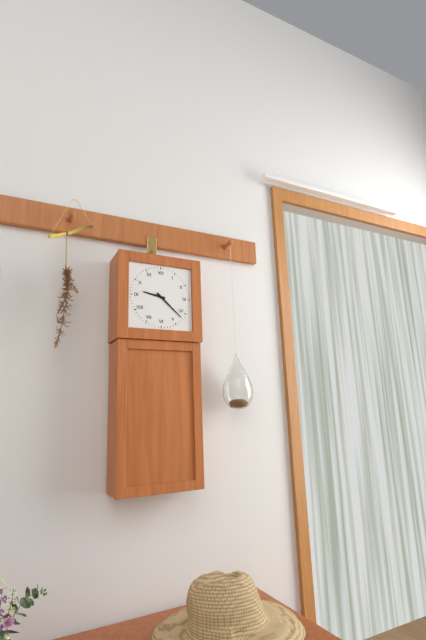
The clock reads h=9 m=22
